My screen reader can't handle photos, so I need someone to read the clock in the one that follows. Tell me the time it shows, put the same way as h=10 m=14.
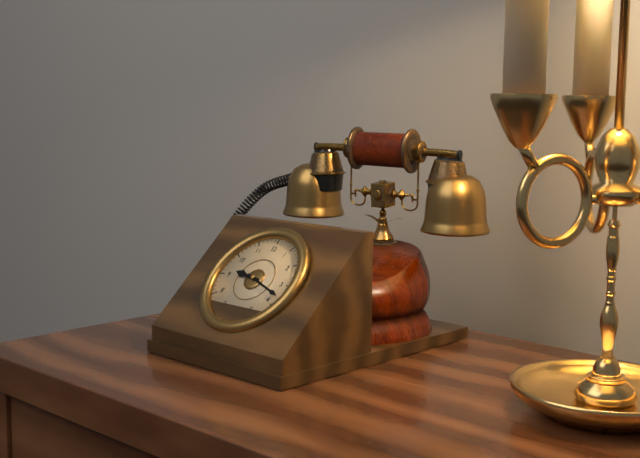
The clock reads h=9 m=18
